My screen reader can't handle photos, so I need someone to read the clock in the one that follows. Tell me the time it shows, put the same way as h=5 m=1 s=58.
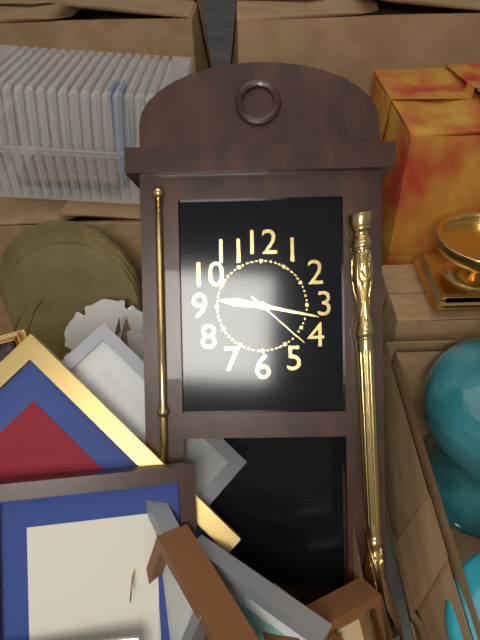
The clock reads h=9 m=17 s=22
